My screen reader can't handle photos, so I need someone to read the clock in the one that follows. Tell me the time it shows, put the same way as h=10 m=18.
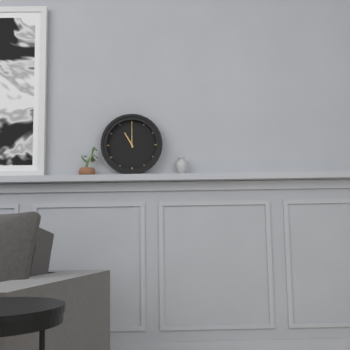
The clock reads h=11 m=0
